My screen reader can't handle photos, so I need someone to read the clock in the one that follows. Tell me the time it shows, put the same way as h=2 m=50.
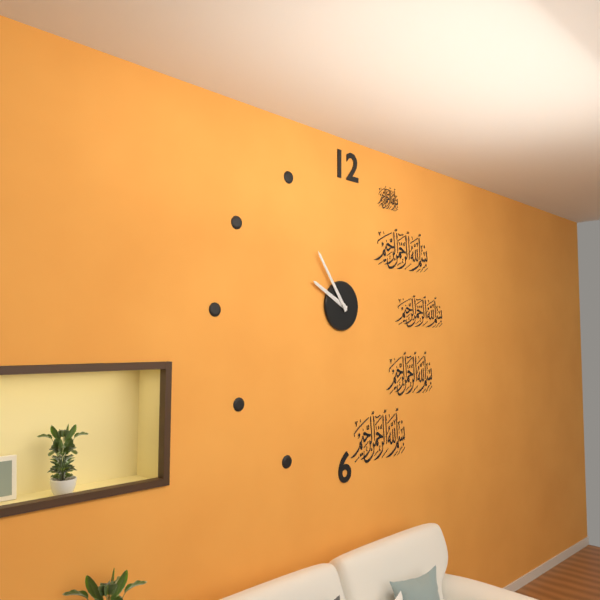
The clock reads h=9 m=54
